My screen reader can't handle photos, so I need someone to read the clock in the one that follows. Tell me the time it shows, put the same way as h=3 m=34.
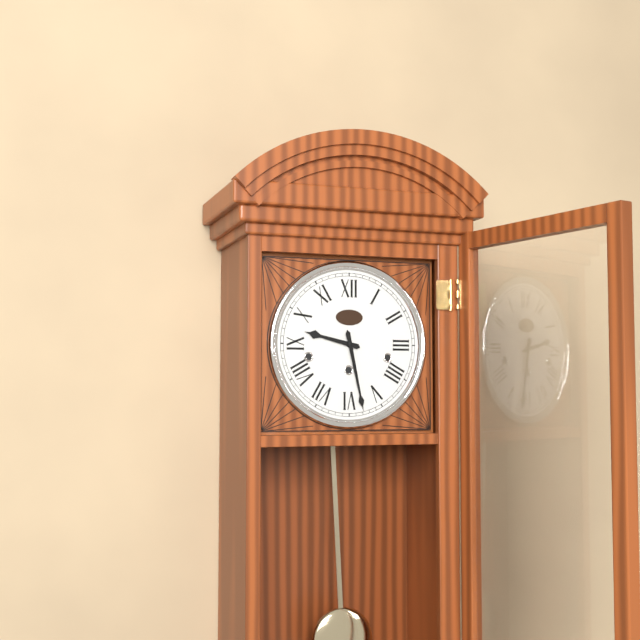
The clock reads h=9 m=28
